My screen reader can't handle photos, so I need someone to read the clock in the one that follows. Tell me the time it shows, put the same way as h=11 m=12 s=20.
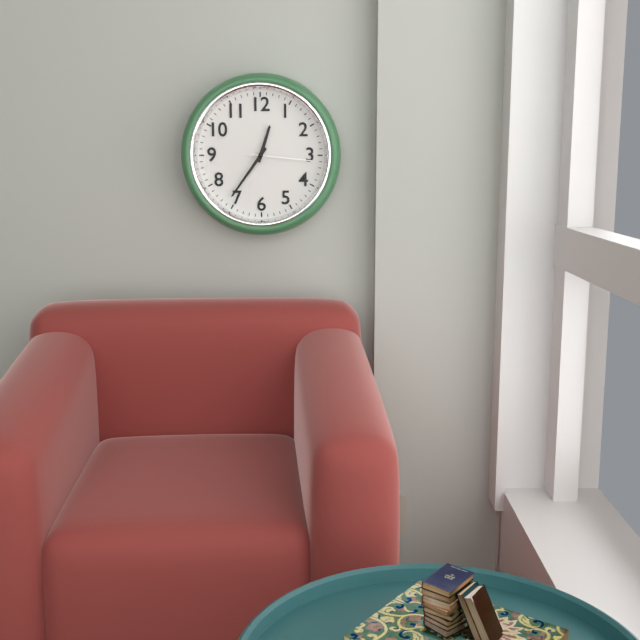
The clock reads h=12 m=36 s=16
